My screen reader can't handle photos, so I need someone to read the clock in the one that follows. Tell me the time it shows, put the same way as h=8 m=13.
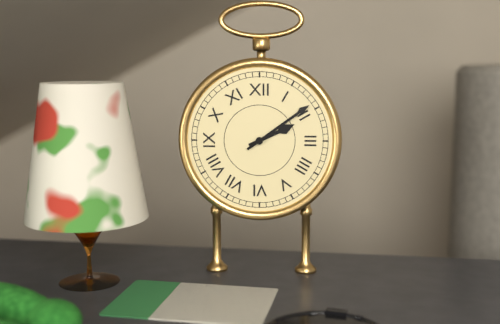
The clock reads h=2 m=9
